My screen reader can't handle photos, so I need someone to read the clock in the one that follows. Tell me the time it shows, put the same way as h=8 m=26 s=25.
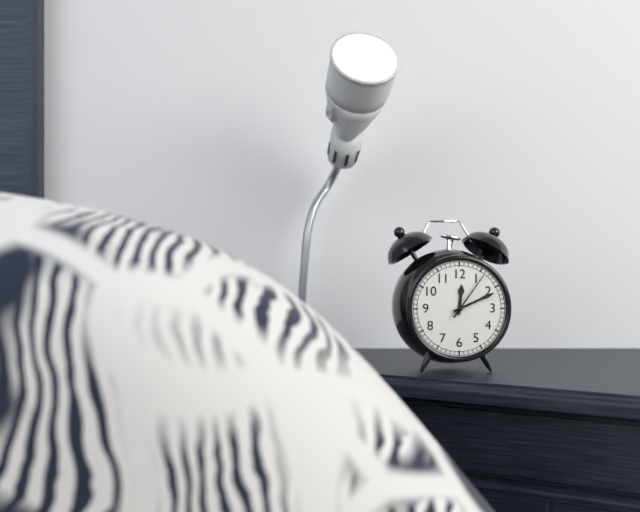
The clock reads h=12 m=11 s=6
